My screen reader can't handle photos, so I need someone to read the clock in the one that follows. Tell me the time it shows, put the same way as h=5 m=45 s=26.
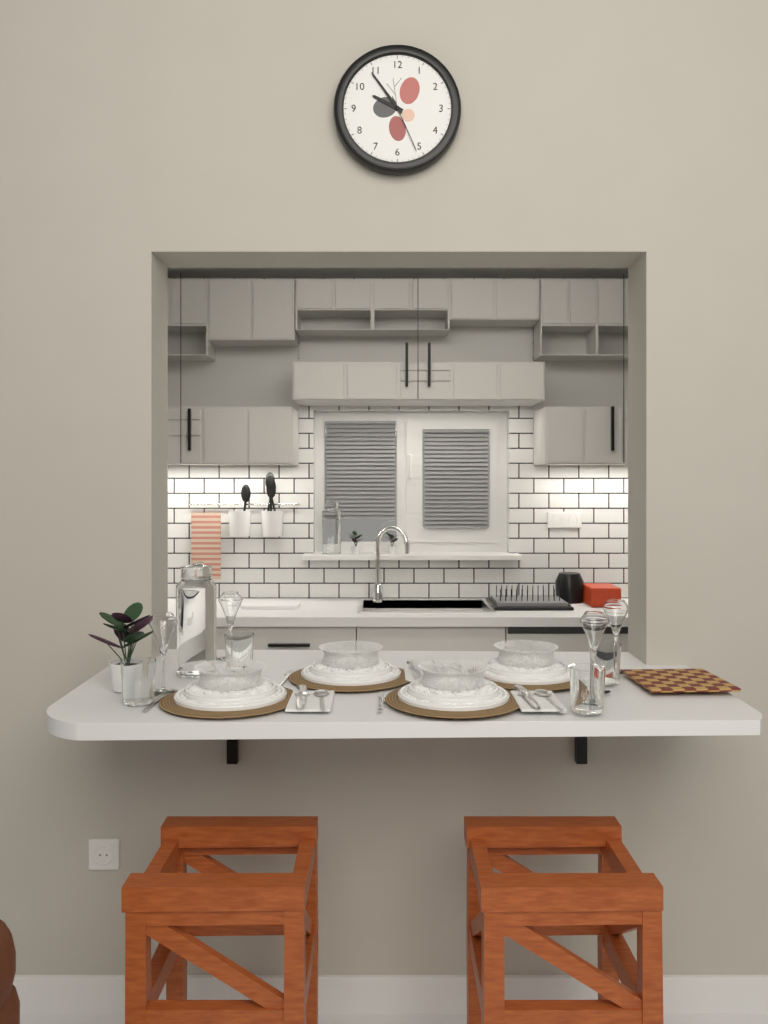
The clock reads h=9 m=54 s=26
